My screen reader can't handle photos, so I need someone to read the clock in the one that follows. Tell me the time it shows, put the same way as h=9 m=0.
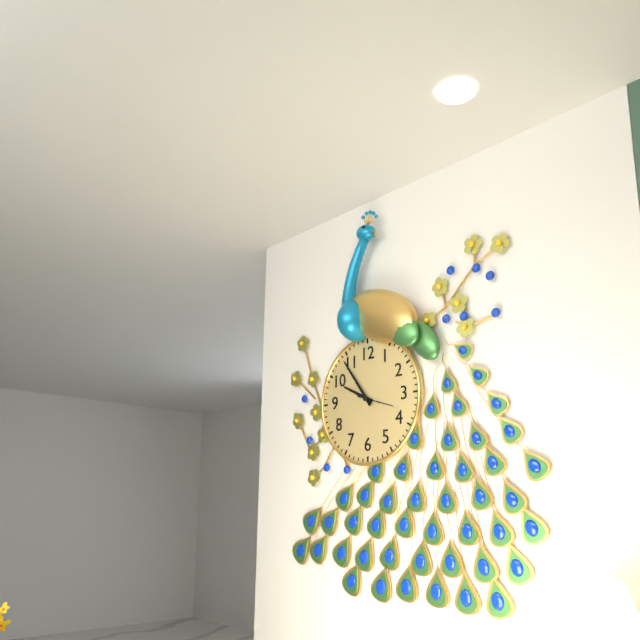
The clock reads h=9 m=54
